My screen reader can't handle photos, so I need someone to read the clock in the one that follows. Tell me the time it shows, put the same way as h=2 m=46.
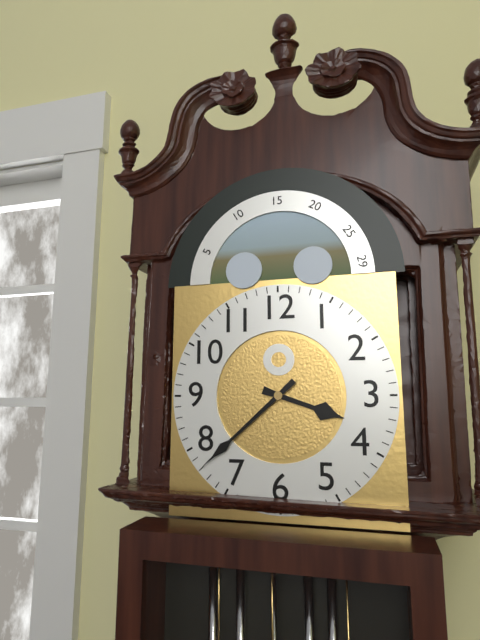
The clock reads h=3 m=38
